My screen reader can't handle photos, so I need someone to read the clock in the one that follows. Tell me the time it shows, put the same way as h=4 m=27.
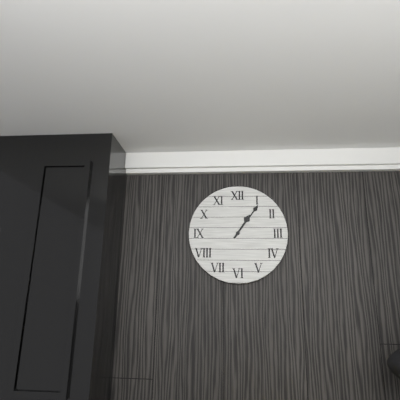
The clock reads h=1 m=6
